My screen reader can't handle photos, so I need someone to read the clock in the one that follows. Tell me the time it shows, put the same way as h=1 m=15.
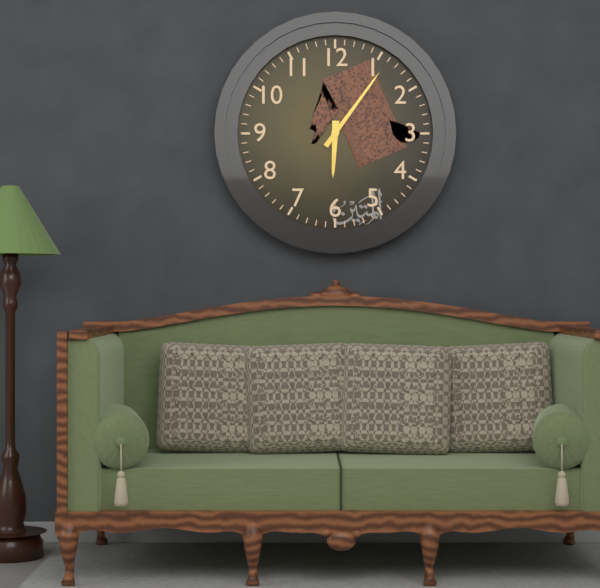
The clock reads h=6 m=6
